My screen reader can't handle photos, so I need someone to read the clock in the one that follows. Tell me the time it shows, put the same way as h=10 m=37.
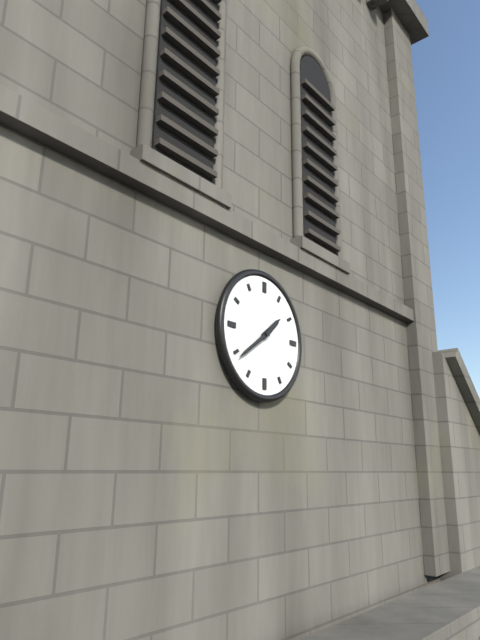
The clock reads h=1 m=39
